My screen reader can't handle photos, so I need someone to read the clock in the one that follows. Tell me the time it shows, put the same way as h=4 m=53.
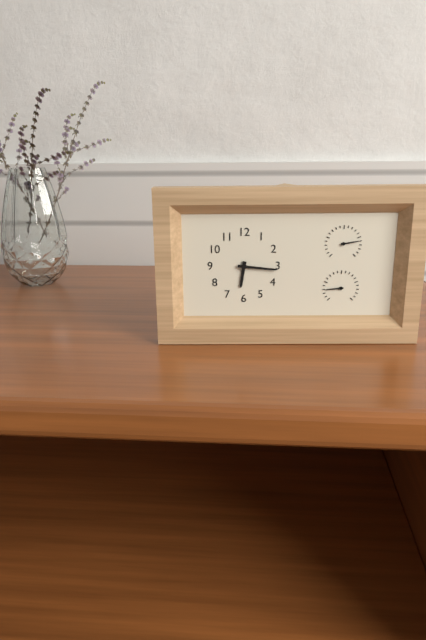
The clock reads h=6 m=16
